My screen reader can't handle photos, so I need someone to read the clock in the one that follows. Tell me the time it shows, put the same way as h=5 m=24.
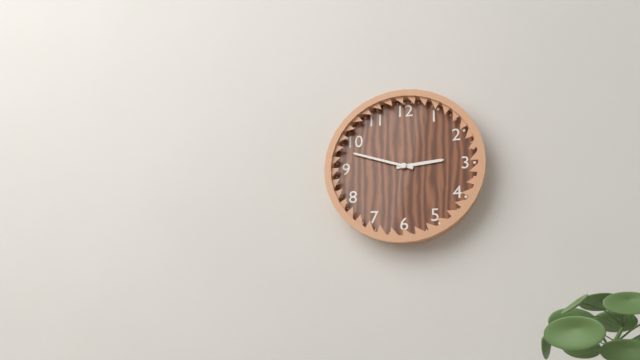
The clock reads h=2 m=48
